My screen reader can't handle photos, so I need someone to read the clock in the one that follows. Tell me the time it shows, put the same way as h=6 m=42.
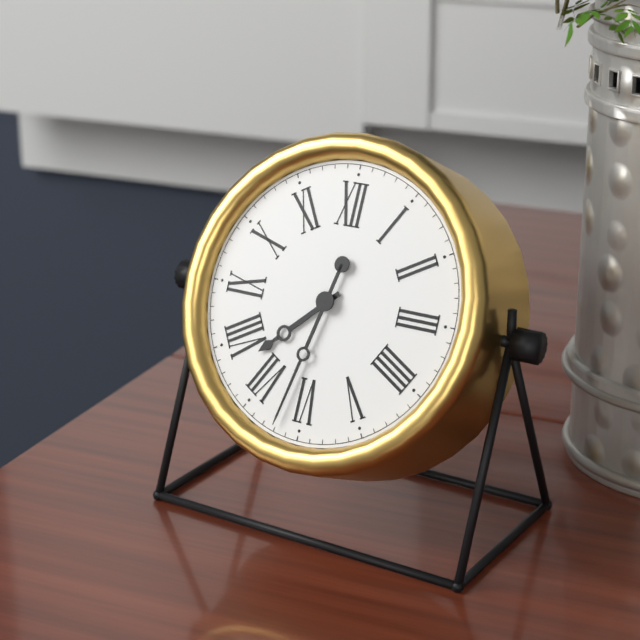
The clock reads h=7 m=32
